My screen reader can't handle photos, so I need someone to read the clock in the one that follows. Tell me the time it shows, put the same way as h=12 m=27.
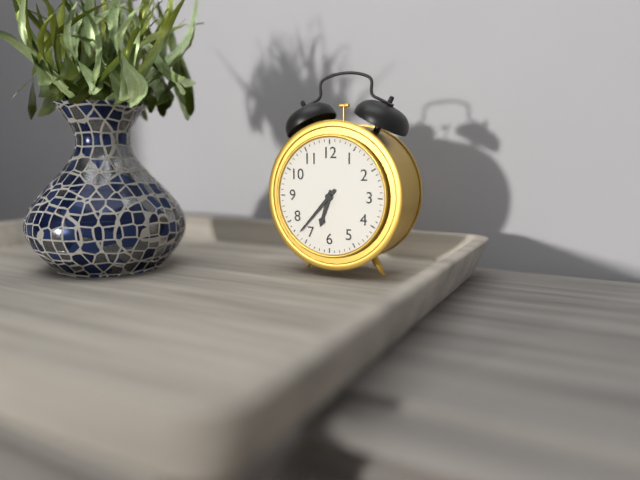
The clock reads h=6 m=37
